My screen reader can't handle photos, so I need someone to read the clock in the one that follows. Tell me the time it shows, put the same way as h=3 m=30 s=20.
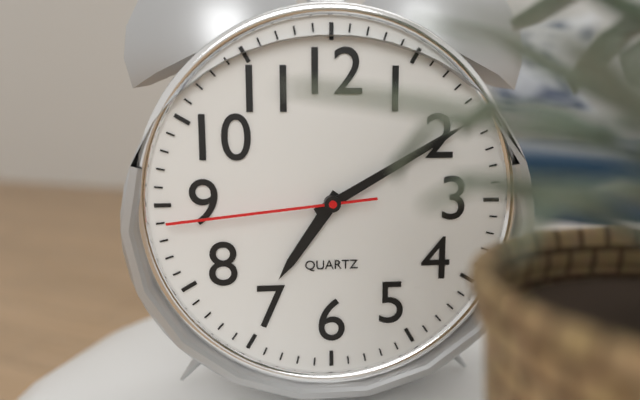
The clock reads h=7 m=10 s=44
